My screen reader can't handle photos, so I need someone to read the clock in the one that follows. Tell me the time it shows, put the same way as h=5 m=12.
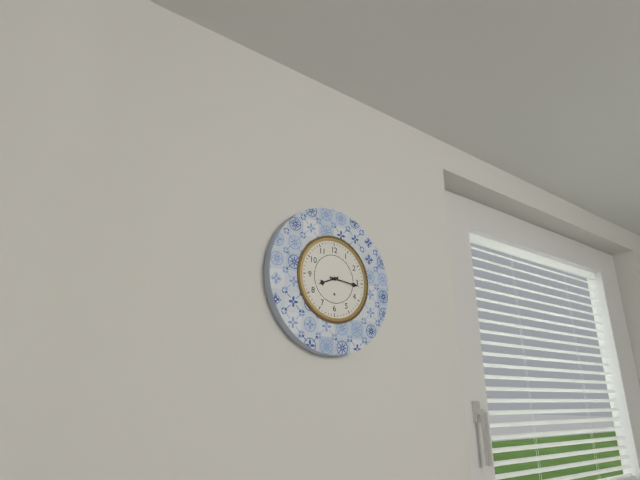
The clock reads h=8 m=16
